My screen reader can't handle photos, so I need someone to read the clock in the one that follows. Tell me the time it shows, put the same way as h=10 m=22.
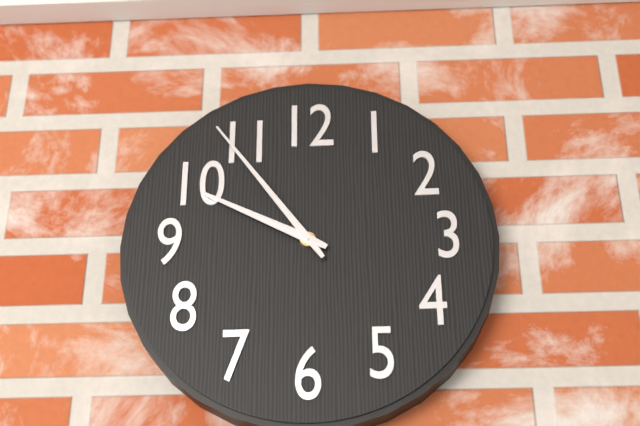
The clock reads h=9 m=54
